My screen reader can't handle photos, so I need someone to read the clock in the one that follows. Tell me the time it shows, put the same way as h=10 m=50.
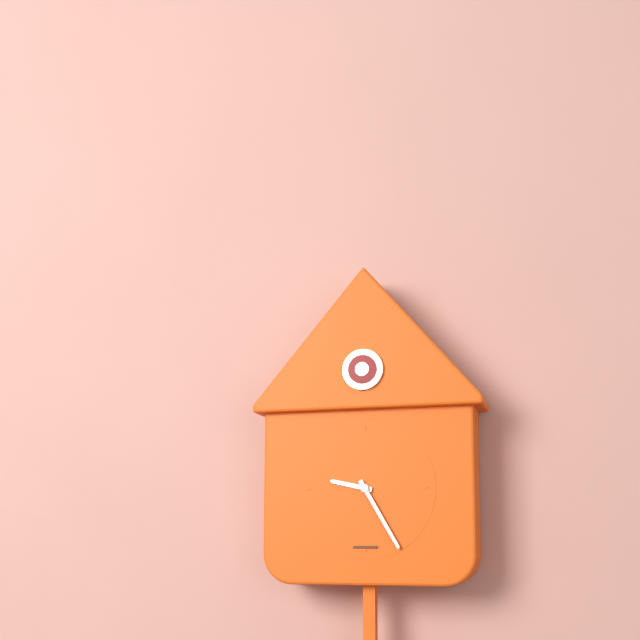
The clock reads h=9 m=25
